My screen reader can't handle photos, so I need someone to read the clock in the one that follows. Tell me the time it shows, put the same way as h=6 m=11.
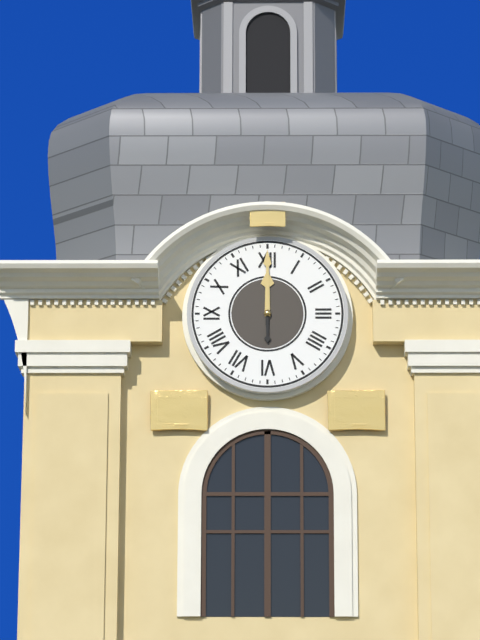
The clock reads h=12 m=0
